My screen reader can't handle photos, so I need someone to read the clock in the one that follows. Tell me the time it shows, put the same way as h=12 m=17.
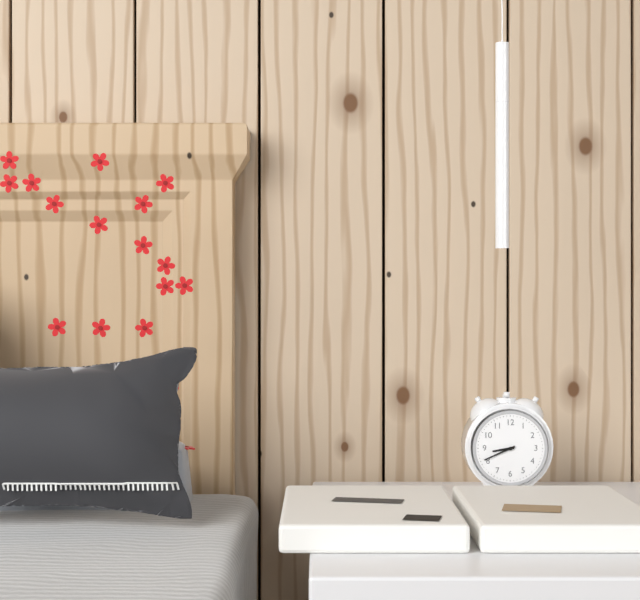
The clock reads h=8 m=41
